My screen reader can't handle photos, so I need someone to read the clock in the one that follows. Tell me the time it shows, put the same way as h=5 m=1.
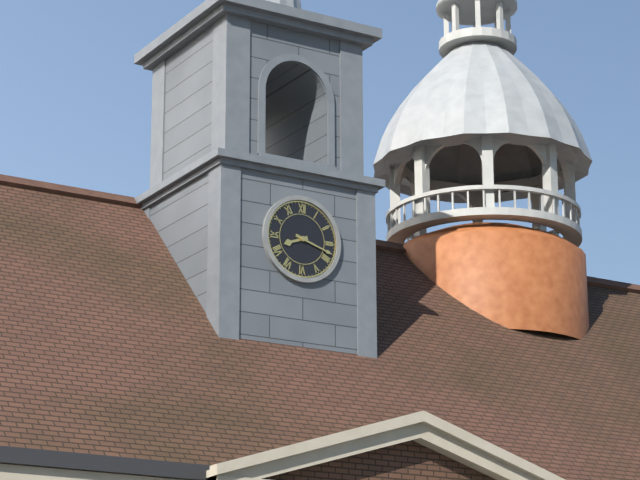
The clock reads h=8 m=18
